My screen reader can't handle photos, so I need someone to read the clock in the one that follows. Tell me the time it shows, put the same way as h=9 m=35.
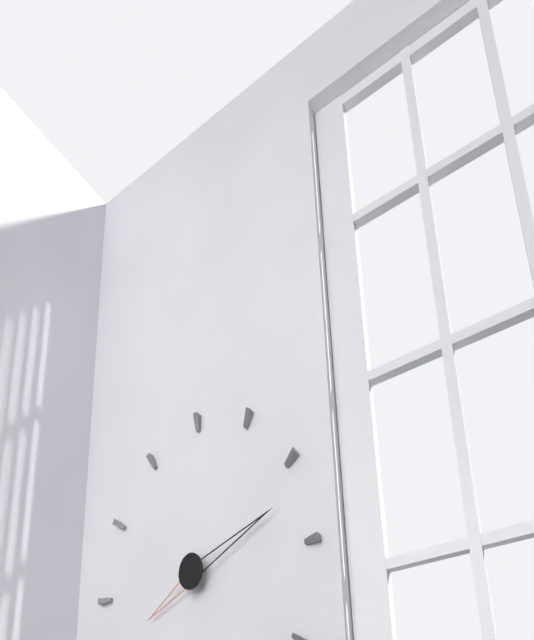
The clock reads h=8 m=12
